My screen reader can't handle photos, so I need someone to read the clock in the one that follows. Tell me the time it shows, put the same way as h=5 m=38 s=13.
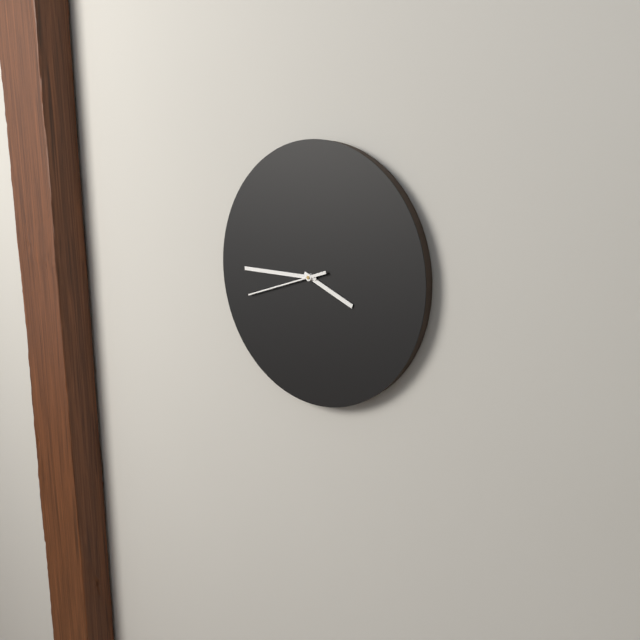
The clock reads h=3 m=45 s=42
